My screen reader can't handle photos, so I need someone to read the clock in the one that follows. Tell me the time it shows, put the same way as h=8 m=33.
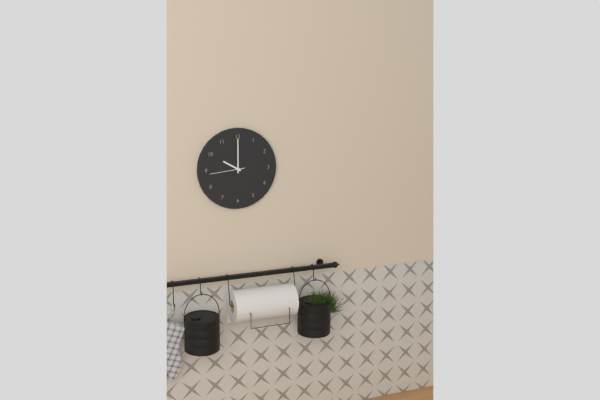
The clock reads h=10 m=0
